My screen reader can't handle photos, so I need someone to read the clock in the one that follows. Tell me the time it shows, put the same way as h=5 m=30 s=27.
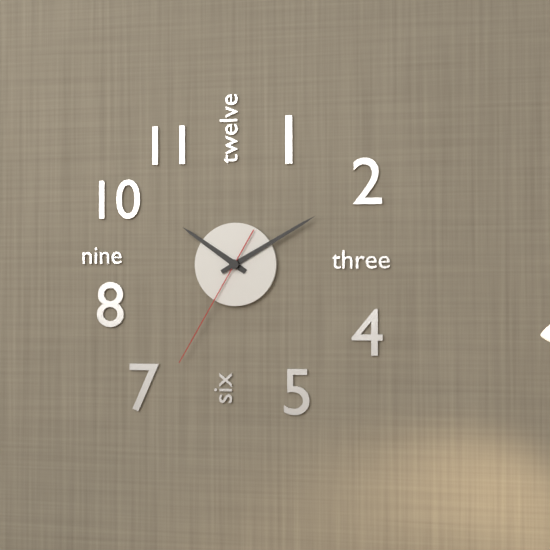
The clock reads h=10 m=10 s=35
